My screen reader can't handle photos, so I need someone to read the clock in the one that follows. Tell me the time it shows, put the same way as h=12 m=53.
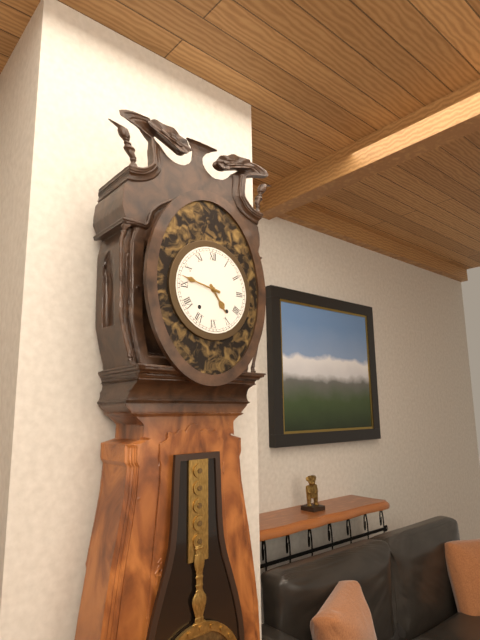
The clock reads h=4 m=47
